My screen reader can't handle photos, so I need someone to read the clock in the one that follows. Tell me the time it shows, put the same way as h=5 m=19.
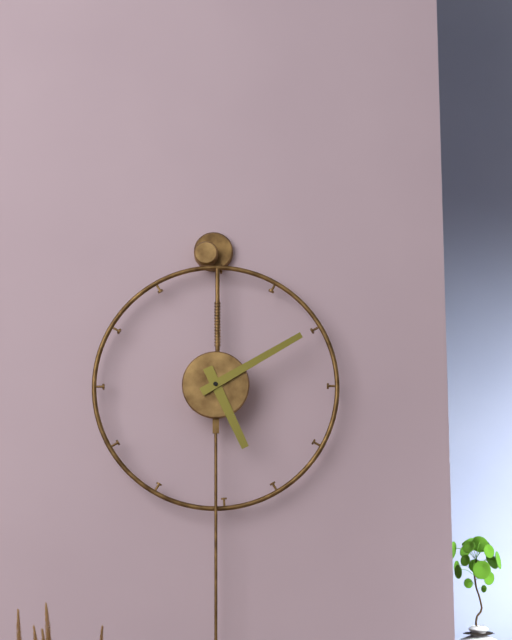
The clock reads h=5 m=10
